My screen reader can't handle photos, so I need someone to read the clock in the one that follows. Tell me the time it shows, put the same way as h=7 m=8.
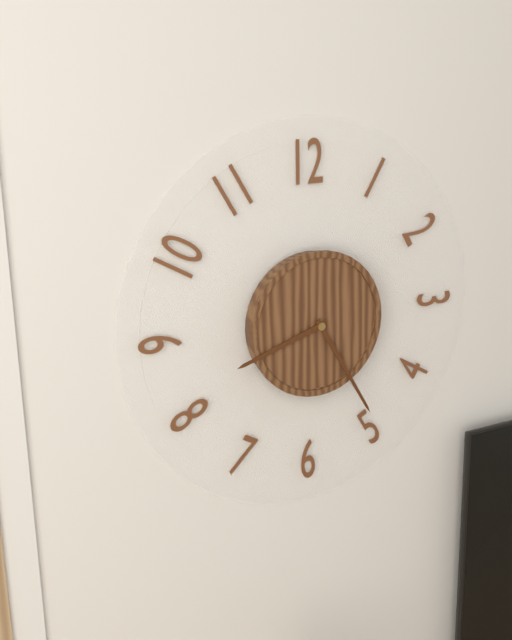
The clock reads h=8 m=25
